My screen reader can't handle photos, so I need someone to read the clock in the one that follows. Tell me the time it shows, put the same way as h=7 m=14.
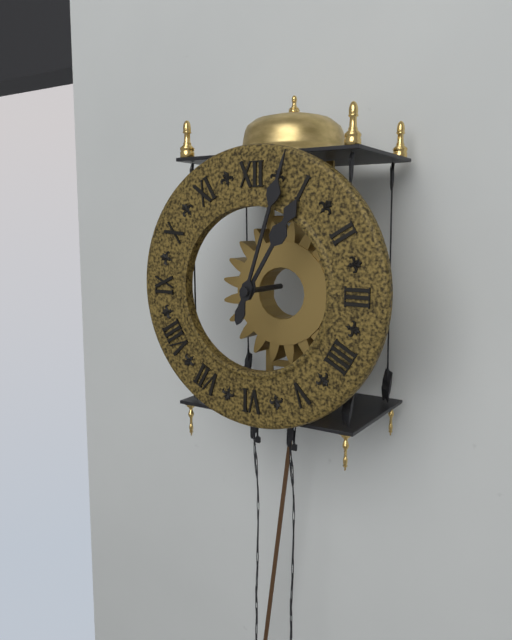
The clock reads h=1 m=3
